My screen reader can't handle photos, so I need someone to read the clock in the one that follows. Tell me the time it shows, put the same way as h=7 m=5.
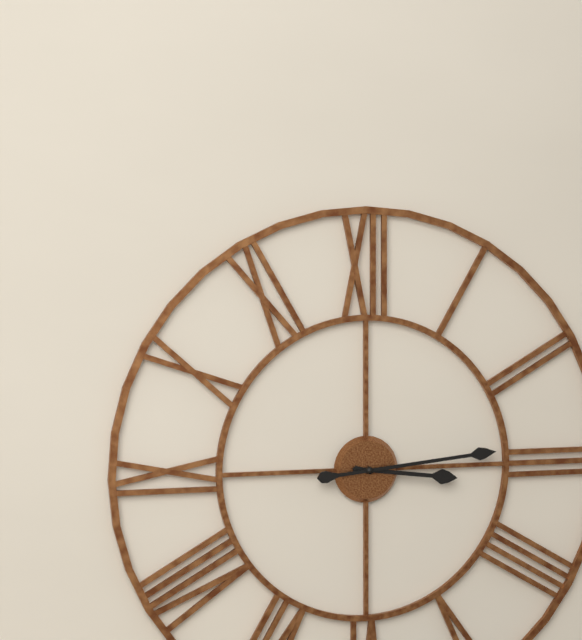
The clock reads h=3 m=14
